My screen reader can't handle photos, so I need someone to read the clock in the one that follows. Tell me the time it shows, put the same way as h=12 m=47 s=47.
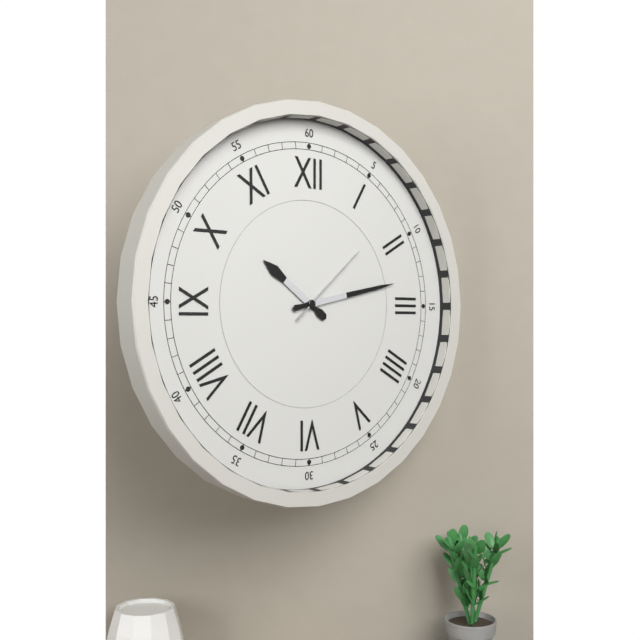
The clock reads h=10 m=13 s=8
